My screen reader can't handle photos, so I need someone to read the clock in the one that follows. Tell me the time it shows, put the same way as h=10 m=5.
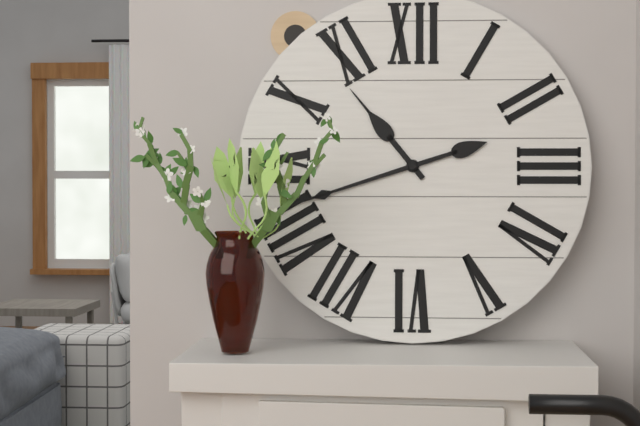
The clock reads h=10 m=42
